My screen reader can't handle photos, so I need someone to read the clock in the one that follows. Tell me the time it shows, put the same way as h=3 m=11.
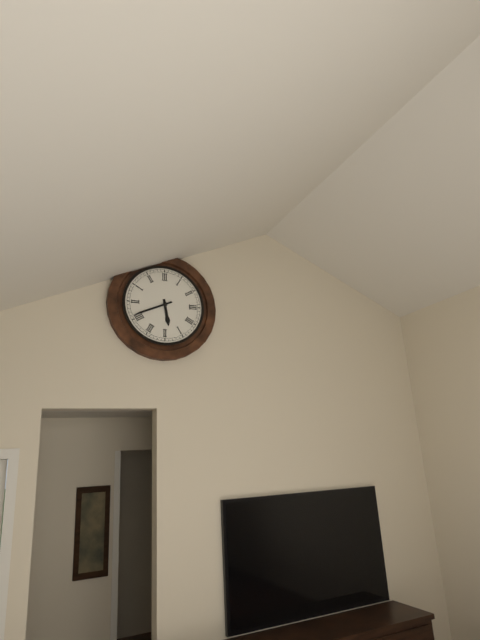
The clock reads h=5 m=41
